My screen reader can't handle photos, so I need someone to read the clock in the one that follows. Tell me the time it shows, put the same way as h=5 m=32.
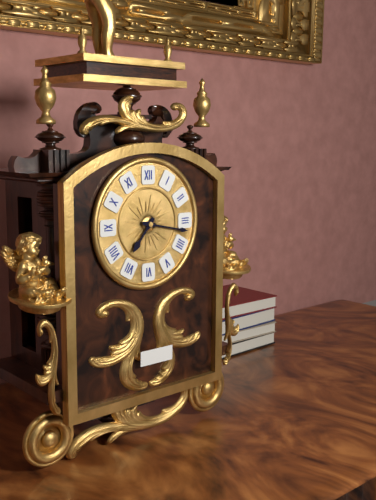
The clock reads h=7 m=17
